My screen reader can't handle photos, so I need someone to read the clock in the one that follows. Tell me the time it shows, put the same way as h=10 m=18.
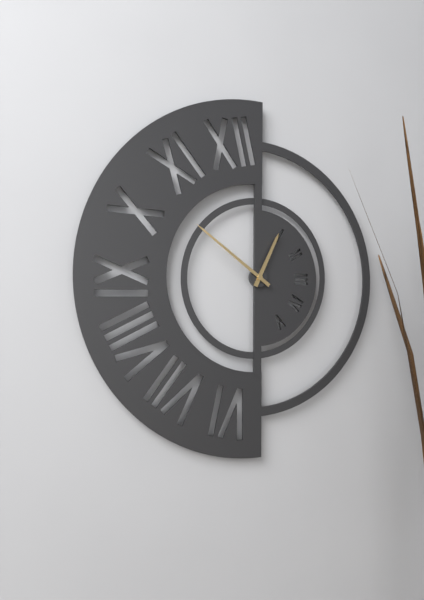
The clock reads h=12 m=51
